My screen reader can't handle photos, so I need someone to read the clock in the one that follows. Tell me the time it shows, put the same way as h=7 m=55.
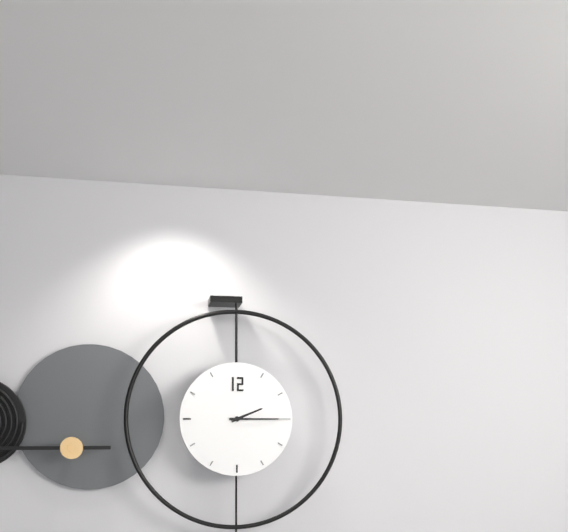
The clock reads h=2 m=15
